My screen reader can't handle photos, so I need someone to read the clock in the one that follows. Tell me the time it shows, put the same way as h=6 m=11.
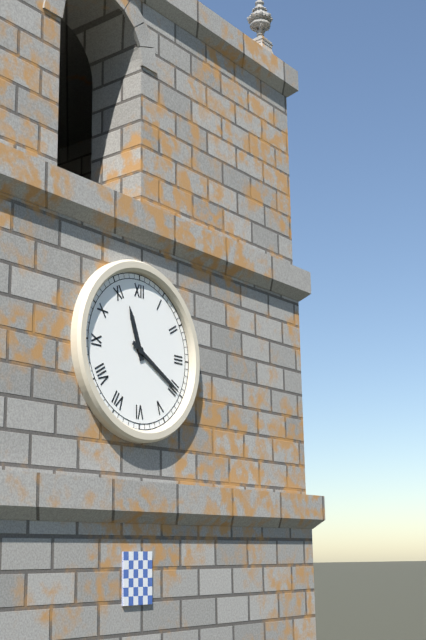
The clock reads h=11 m=20
